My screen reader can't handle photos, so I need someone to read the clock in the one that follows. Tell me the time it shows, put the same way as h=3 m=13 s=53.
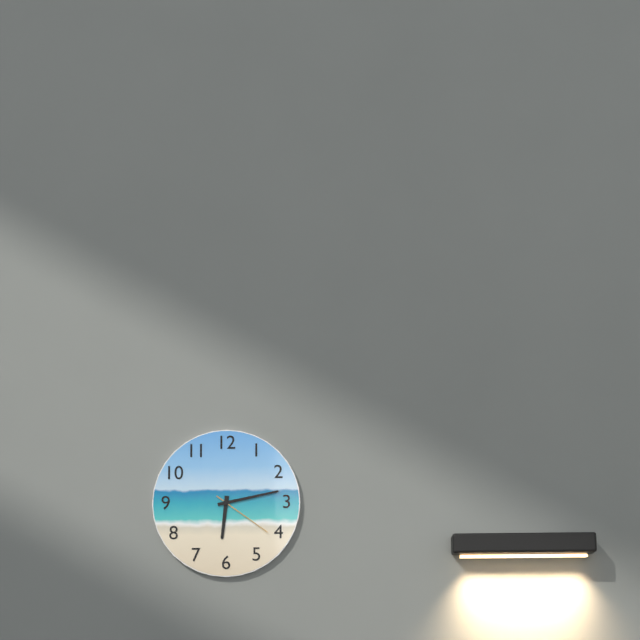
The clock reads h=6 m=13 s=21
